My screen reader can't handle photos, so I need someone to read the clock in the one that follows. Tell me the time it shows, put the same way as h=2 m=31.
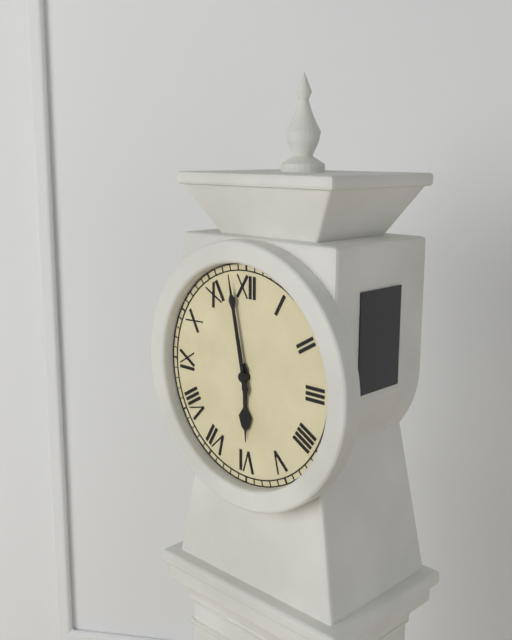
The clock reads h=5 m=58
